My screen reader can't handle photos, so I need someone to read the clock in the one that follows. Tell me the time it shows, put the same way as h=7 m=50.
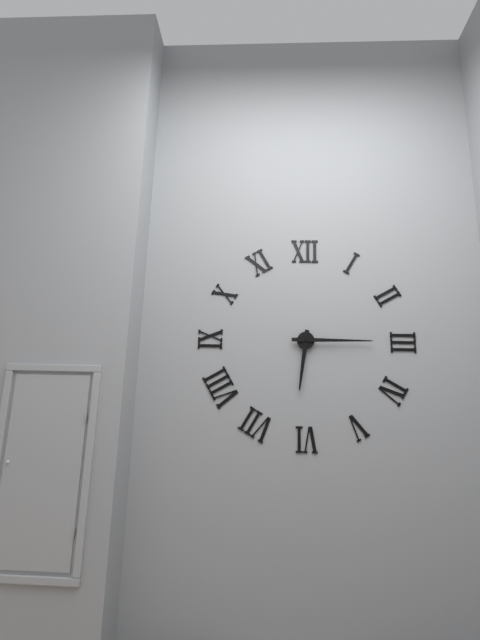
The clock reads h=6 m=15
